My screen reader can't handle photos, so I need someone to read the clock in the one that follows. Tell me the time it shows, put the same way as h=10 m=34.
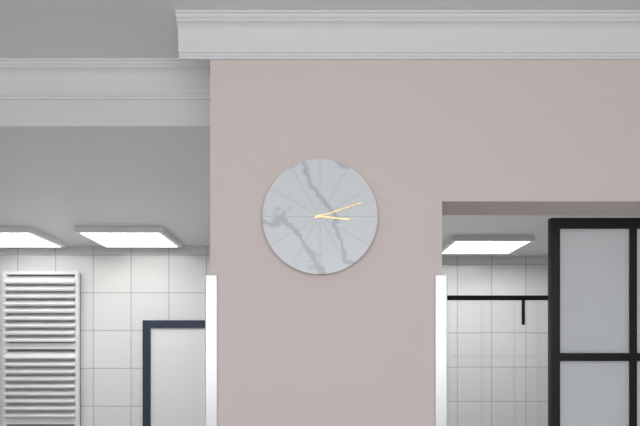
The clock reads h=3 m=12
